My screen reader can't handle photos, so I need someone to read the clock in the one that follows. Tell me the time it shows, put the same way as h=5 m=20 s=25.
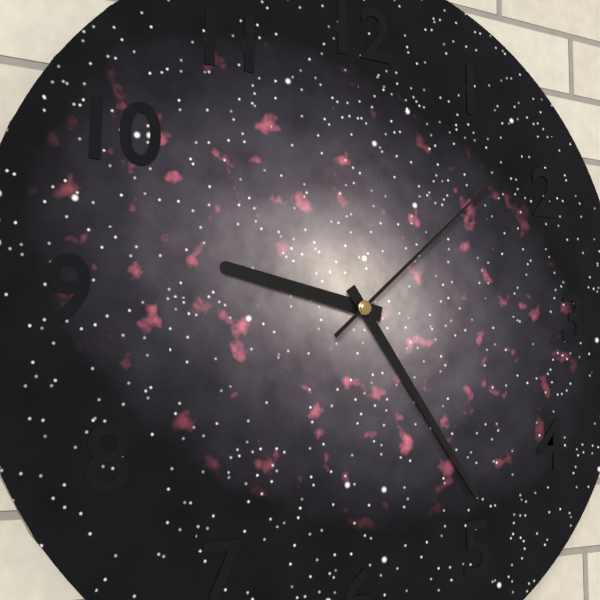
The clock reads h=9 m=24 s=8
